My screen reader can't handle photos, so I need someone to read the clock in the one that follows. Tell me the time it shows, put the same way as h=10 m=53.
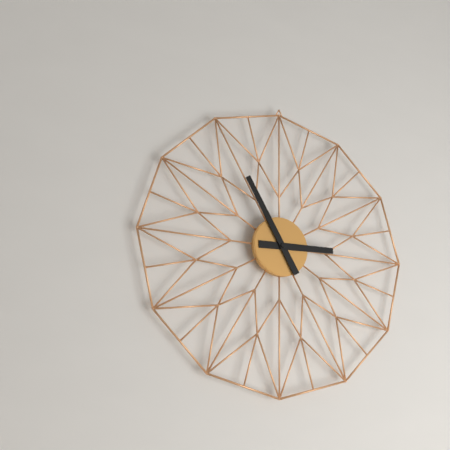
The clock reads h=2 m=55
